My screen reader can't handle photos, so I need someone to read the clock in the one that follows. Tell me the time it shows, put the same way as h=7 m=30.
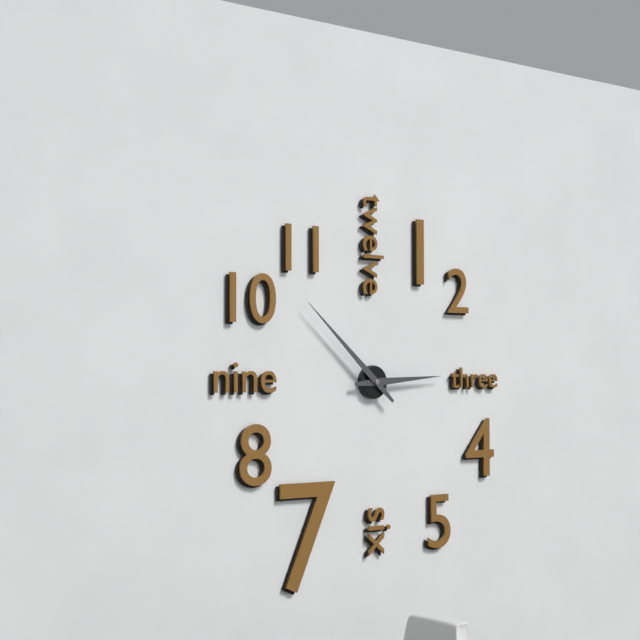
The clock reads h=2 m=52
